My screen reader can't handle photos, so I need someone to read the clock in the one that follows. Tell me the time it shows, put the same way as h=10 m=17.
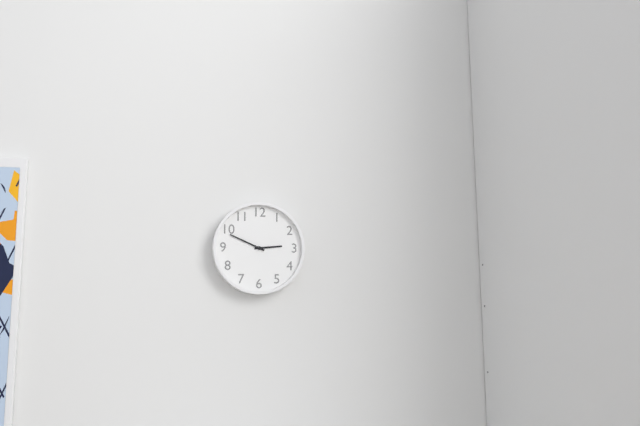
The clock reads h=2 m=49
